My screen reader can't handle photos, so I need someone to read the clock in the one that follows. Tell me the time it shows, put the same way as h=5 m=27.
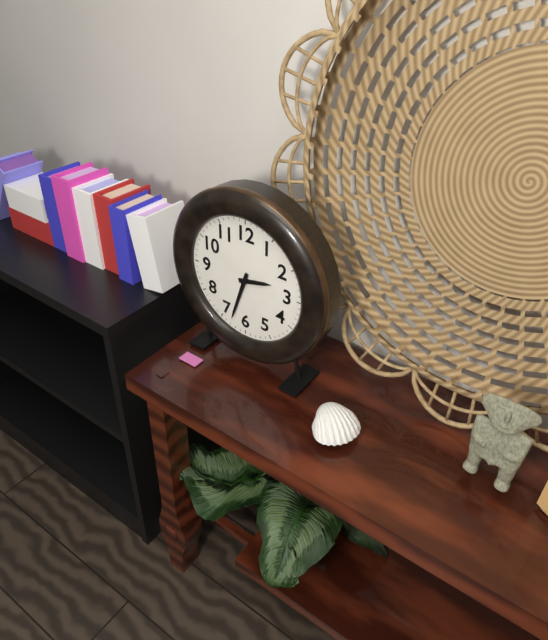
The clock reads h=2 m=33
